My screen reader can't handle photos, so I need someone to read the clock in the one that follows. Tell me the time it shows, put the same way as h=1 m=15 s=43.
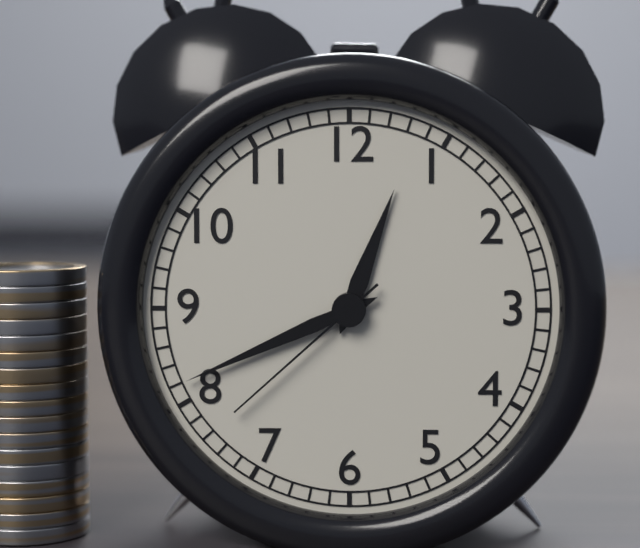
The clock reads h=12 m=41 s=38
